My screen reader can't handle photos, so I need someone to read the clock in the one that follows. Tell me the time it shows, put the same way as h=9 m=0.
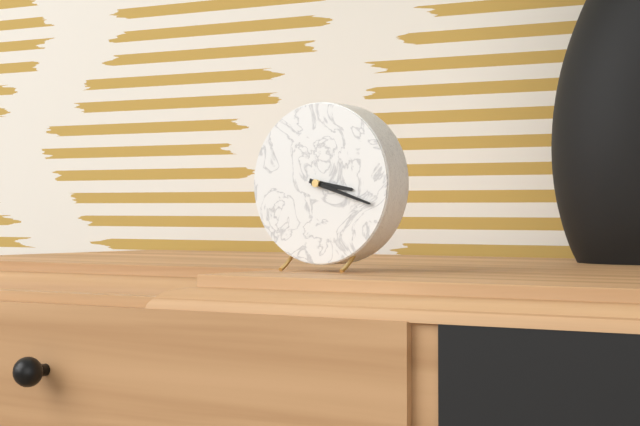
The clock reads h=3 m=18
